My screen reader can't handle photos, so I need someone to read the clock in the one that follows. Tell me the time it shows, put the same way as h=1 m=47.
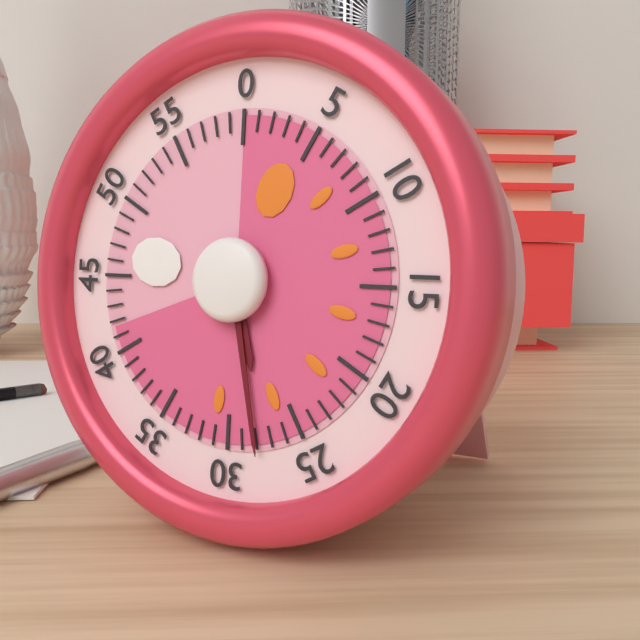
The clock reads h=5 m=28
